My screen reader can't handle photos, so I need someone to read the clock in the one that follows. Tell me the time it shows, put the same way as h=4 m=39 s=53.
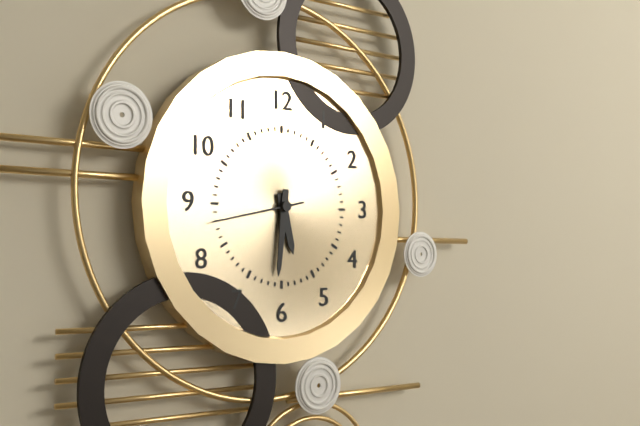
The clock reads h=5 m=31 s=43
